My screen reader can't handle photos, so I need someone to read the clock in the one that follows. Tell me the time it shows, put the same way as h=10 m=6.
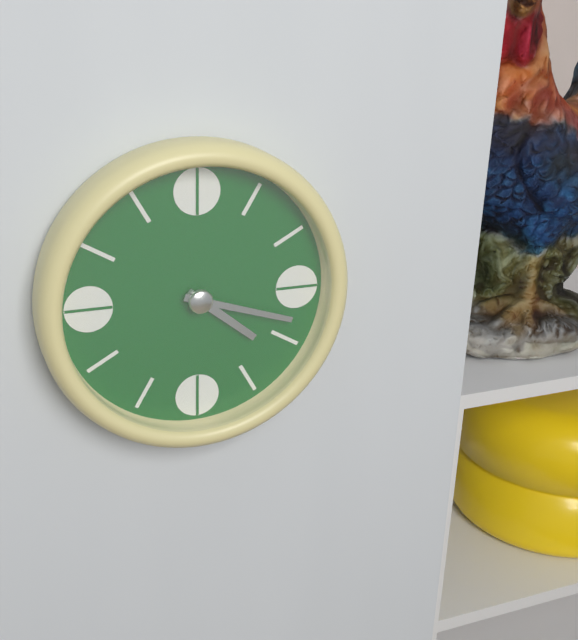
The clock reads h=4 m=18
